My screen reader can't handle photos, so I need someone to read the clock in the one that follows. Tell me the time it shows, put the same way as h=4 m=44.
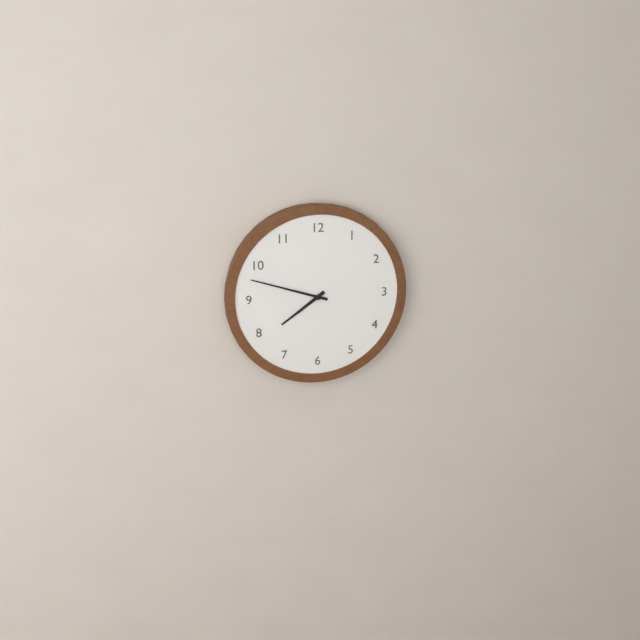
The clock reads h=7 m=48
